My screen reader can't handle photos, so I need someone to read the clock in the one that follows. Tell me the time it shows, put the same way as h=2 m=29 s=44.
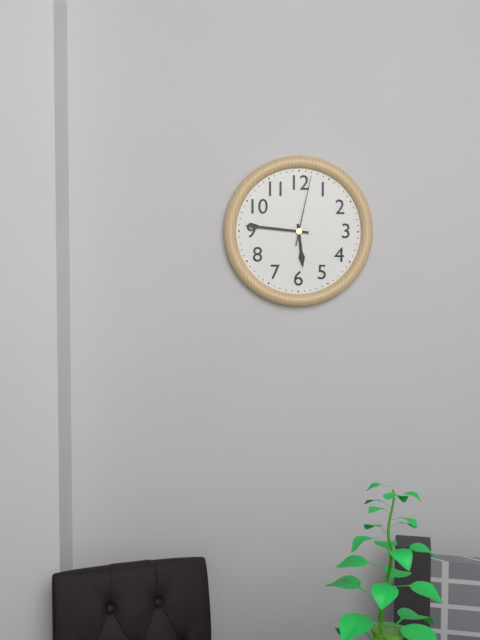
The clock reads h=5 m=46 s=2
